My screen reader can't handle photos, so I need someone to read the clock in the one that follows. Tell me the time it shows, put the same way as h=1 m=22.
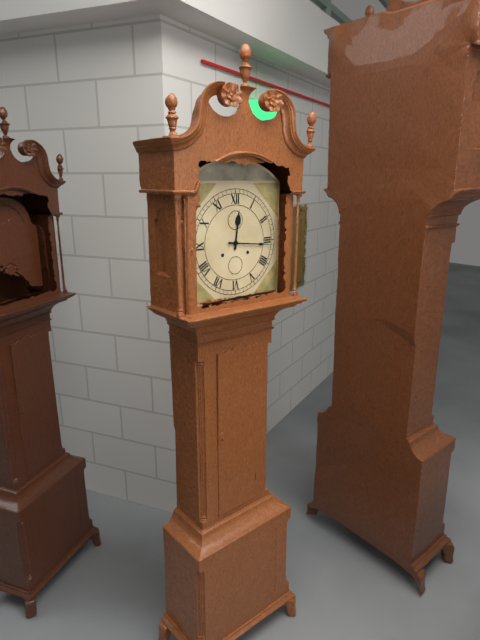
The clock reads h=12 m=16
